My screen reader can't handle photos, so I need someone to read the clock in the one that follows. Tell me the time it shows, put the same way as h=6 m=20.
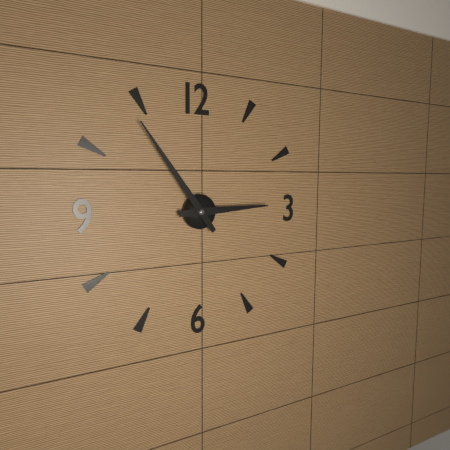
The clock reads h=2 m=54
